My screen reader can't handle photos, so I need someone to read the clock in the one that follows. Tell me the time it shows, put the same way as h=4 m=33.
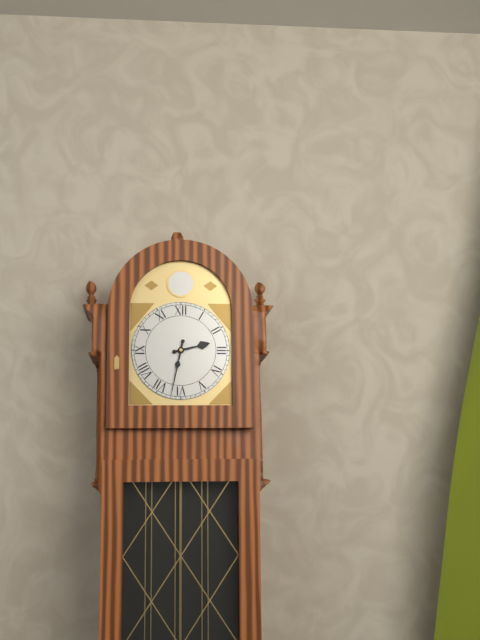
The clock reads h=2 m=32
